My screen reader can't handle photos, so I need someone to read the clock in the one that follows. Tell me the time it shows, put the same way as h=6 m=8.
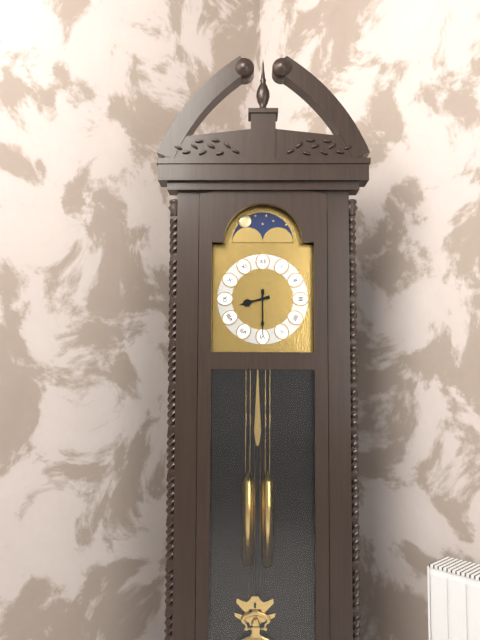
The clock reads h=8 m=30
